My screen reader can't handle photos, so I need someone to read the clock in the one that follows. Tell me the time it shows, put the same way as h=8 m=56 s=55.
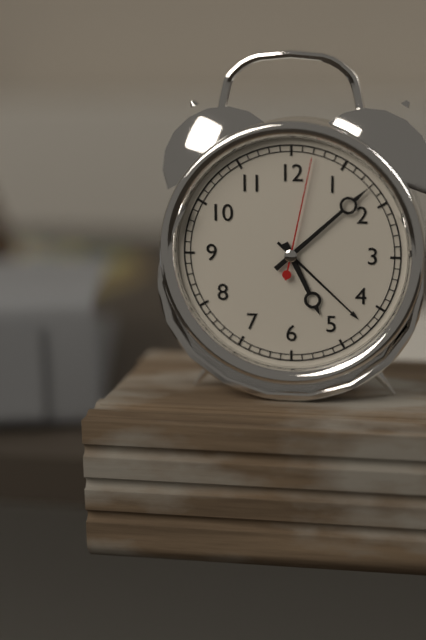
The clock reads h=5 m=8 s=2
